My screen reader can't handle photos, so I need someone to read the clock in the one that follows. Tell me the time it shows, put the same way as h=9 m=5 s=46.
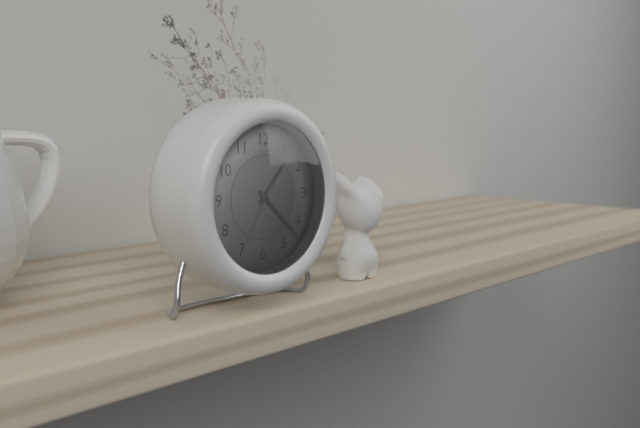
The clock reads h=1 m=22 s=35
